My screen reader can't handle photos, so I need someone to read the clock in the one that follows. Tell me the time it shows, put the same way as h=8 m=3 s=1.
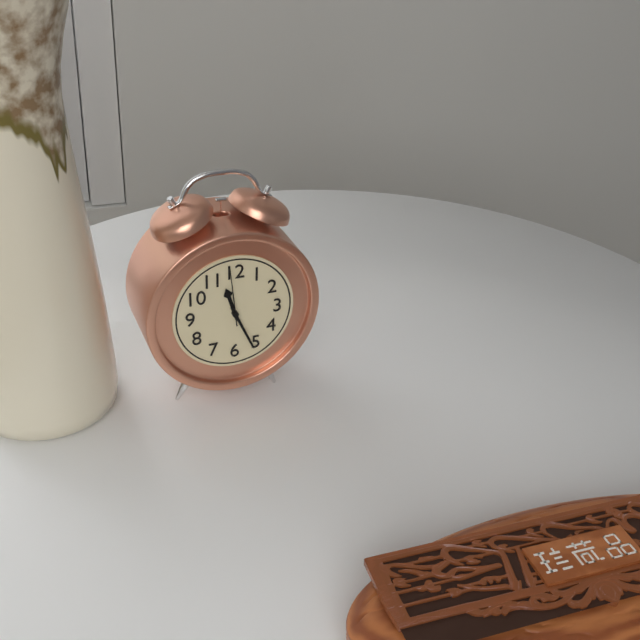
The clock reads h=11 m=26 s=59
